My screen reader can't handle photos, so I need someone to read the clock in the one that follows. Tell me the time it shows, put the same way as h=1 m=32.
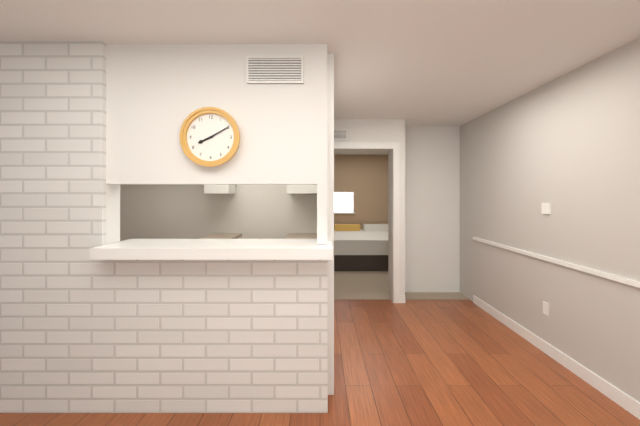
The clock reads h=8 m=10
